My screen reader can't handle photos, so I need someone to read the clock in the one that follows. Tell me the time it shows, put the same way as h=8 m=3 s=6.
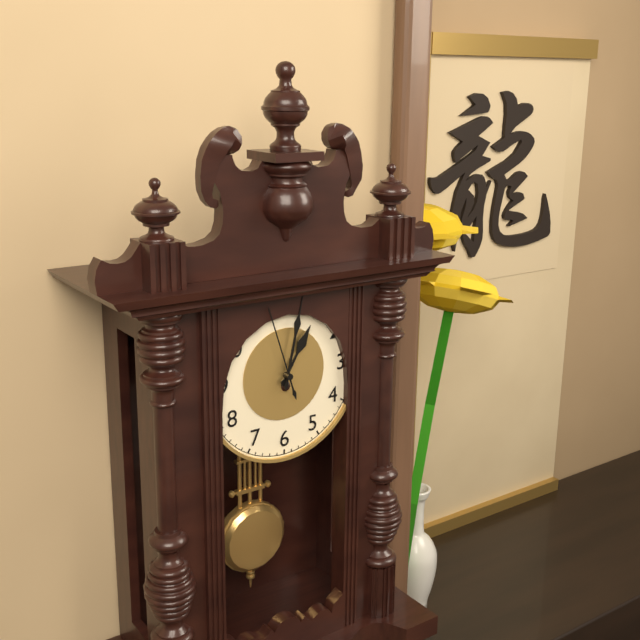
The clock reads h=1 m=2 s=57
